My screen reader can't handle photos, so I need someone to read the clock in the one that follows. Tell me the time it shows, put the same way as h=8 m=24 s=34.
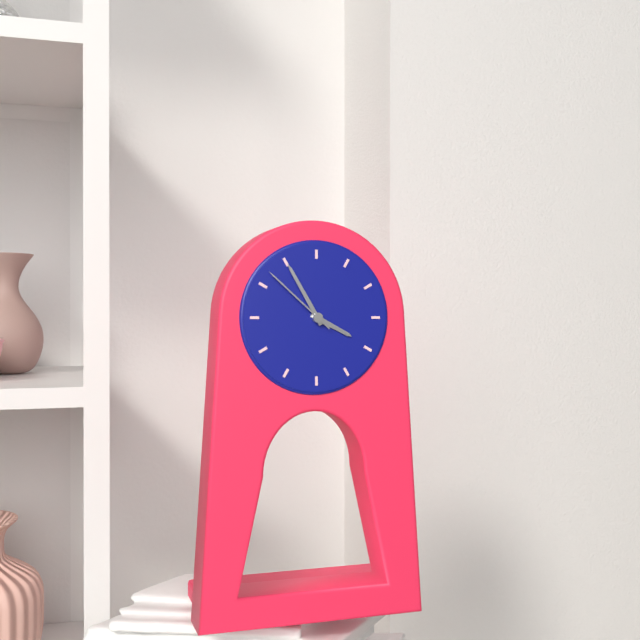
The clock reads h=3 m=55 s=52
